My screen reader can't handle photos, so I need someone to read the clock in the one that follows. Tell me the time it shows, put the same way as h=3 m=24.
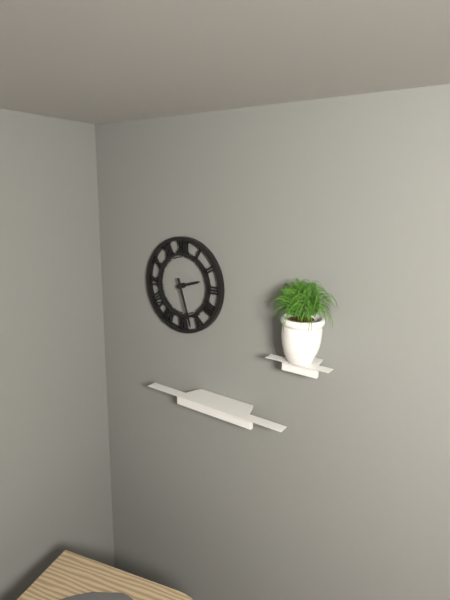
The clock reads h=2 m=27
